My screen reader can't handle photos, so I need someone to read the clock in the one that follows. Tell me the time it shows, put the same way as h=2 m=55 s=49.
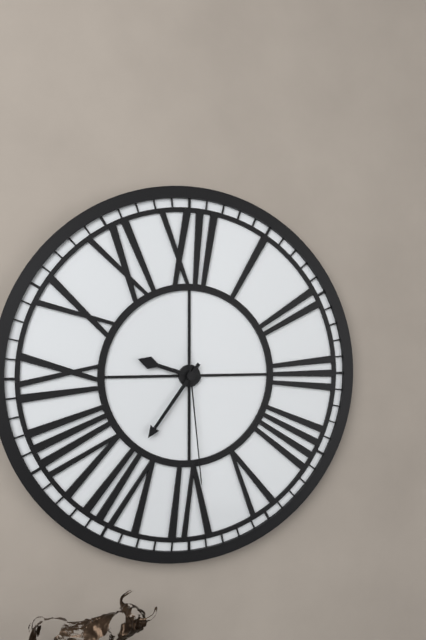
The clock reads h=9 m=36 s=29
